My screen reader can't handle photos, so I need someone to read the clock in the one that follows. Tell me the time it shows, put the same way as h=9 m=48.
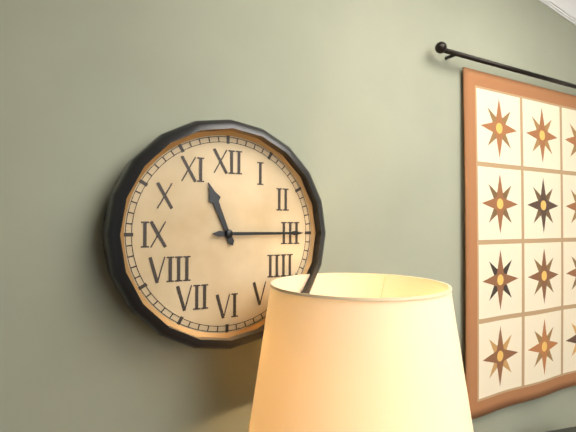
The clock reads h=11 m=15
